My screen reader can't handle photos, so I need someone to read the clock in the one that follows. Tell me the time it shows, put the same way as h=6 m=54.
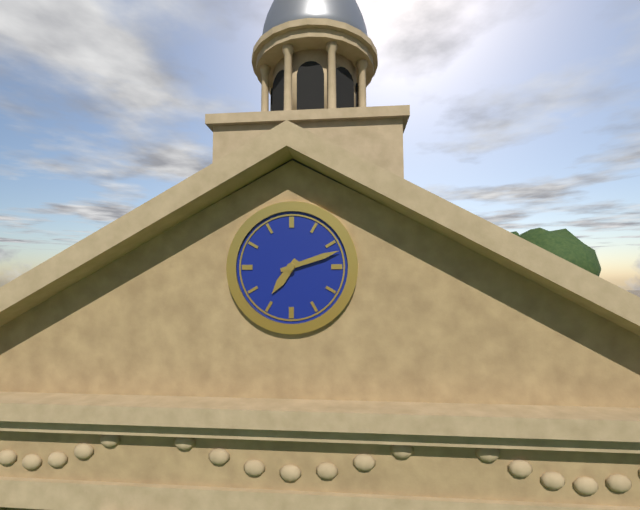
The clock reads h=7 m=12
